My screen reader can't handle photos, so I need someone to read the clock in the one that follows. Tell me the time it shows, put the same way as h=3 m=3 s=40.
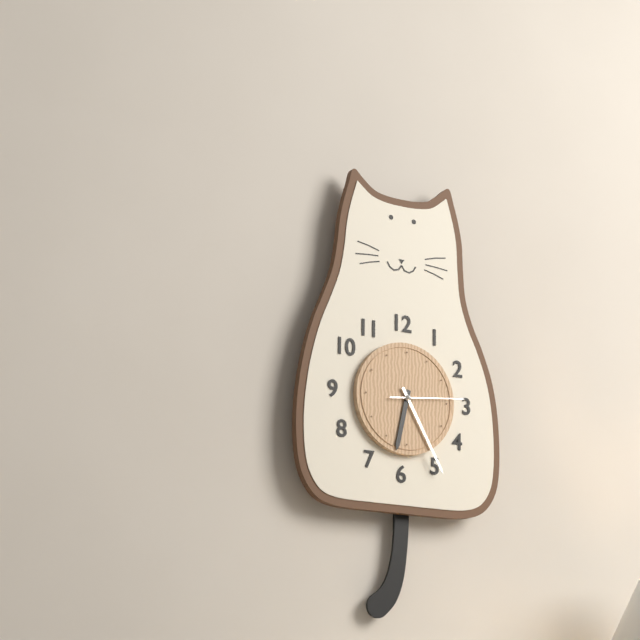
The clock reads h=6 m=25 s=14
